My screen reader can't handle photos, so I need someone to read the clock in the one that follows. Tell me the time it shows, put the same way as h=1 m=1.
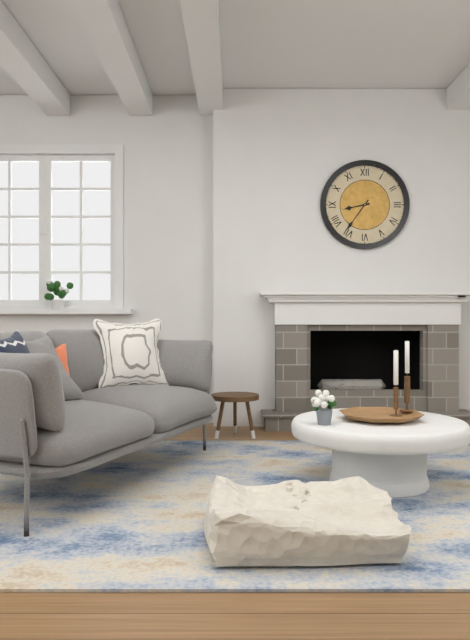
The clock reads h=8 m=36
